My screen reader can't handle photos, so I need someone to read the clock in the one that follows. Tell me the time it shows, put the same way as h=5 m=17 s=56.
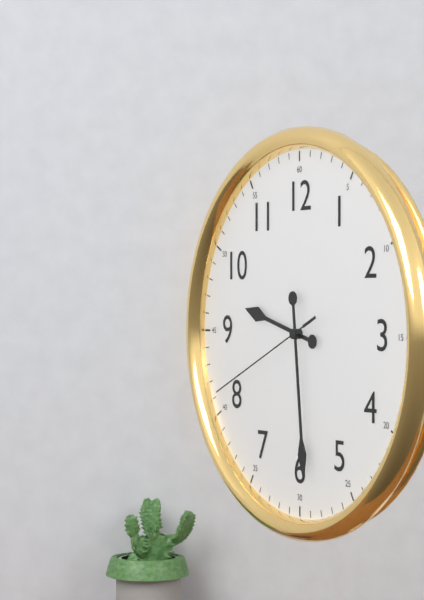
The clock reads h=9 m=29 s=41
